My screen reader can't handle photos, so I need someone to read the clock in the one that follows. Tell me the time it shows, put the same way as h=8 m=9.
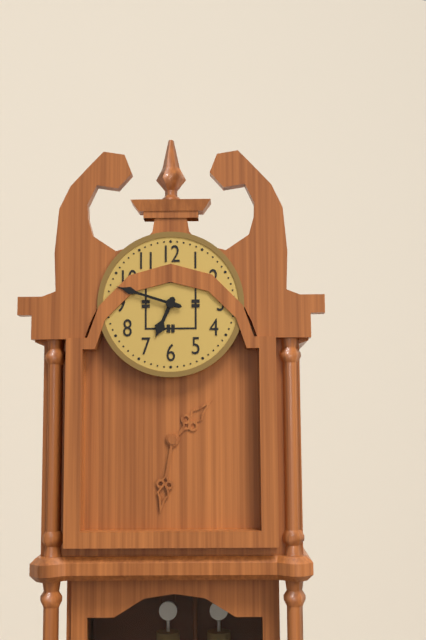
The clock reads h=6 m=48
